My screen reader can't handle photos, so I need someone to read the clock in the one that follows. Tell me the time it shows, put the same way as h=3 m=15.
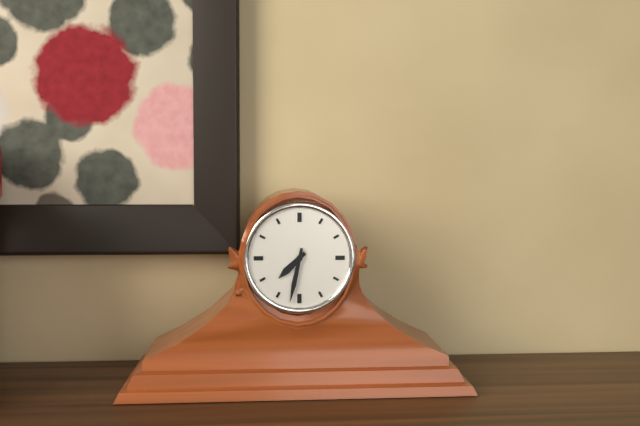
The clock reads h=7 m=32
